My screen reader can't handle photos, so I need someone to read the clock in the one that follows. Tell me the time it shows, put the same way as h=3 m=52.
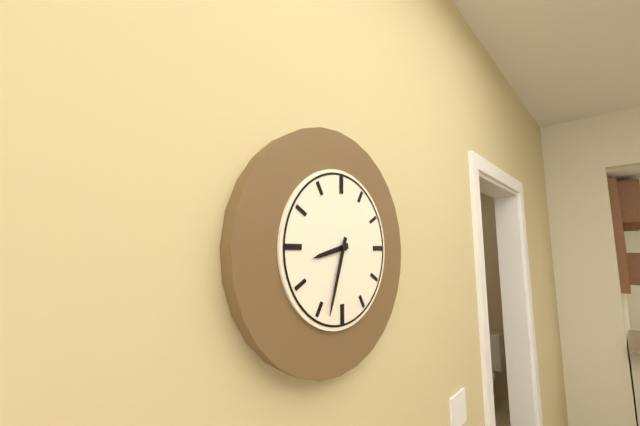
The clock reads h=8 m=33
